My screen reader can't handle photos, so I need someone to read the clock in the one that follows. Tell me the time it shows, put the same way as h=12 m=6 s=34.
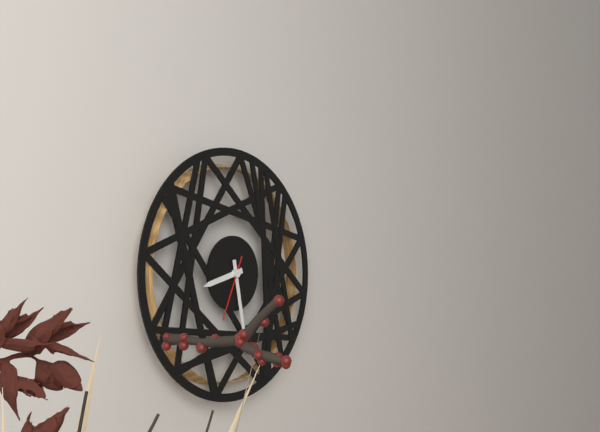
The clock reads h=8 m=28 s=34
